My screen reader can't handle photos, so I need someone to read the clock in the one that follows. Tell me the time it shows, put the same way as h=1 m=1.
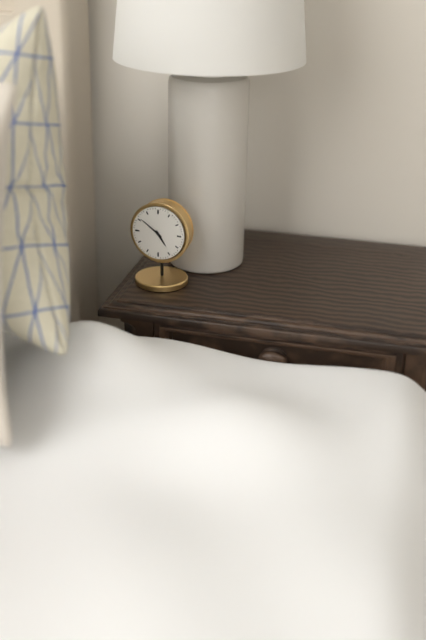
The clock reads h=4 m=51
